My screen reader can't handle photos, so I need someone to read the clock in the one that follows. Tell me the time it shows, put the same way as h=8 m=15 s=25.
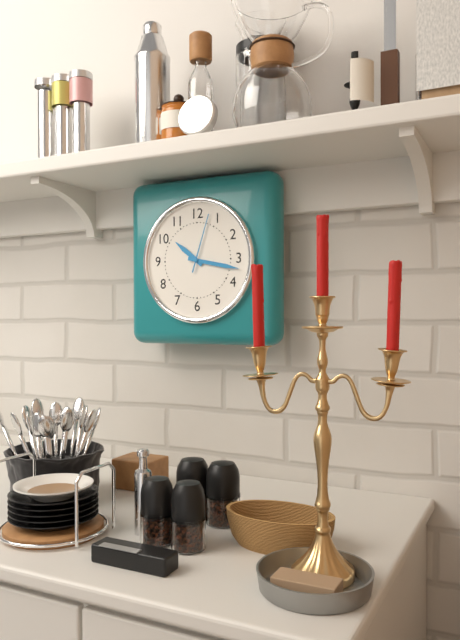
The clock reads h=10 m=17 s=3
